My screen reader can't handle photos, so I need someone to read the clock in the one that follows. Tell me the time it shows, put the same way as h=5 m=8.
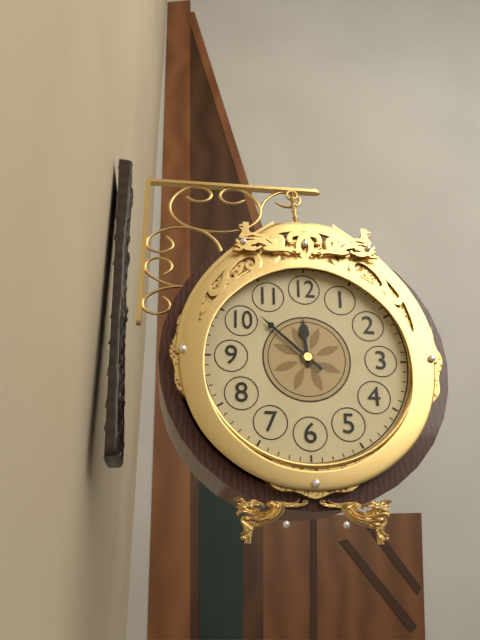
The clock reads h=11 m=52
